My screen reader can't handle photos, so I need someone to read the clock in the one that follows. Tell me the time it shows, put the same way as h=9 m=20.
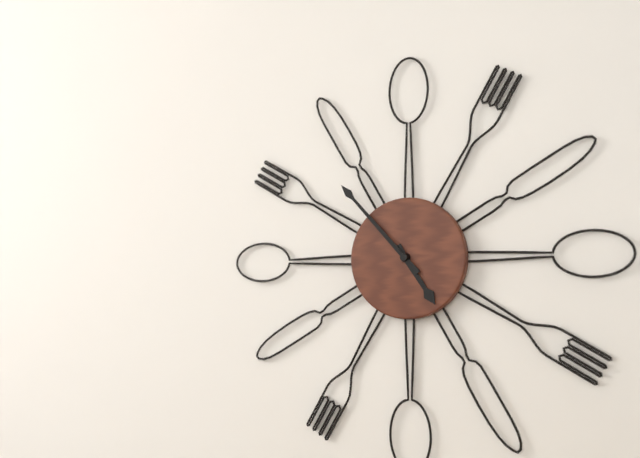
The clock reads h=4 m=53
